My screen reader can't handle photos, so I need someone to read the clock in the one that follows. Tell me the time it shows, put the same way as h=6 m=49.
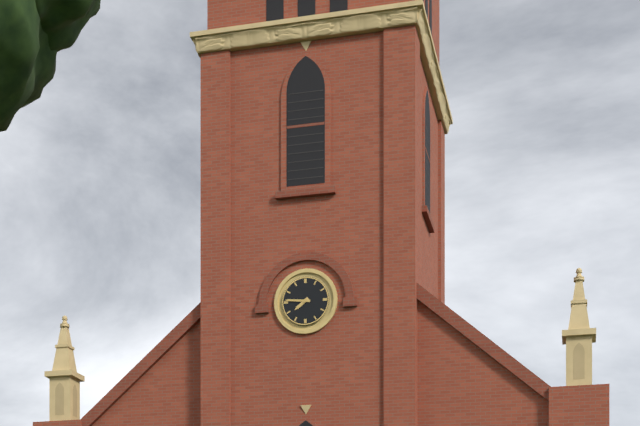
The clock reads h=7 m=46
